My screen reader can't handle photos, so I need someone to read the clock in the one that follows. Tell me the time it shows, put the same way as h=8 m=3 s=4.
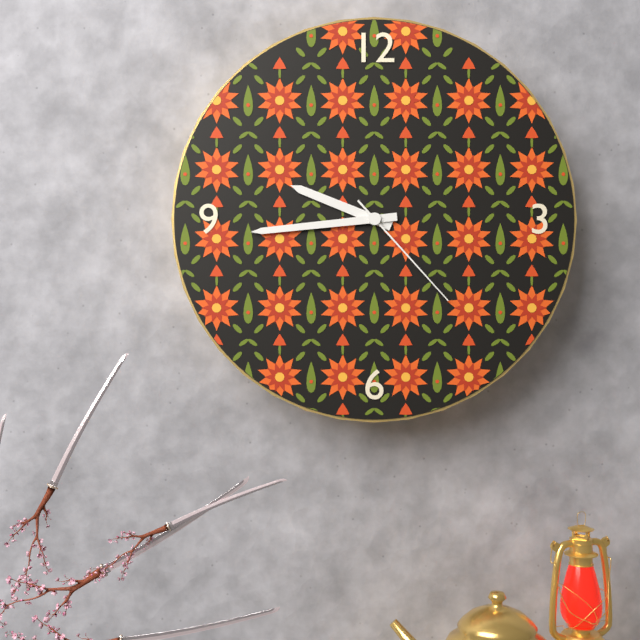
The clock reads h=9 m=44 s=23
